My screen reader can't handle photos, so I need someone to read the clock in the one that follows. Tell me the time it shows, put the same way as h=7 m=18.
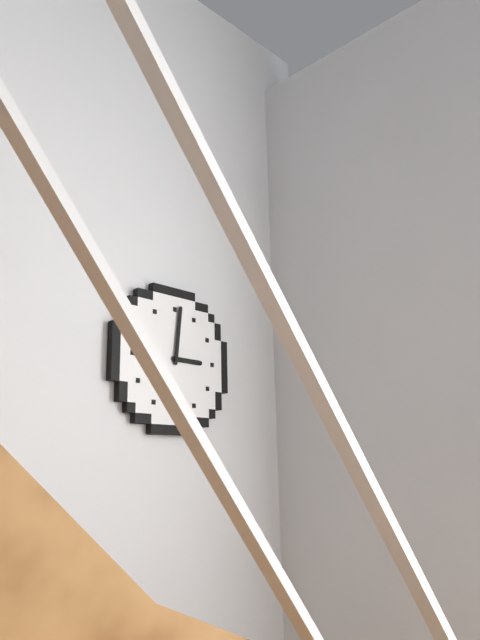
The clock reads h=3 m=1
